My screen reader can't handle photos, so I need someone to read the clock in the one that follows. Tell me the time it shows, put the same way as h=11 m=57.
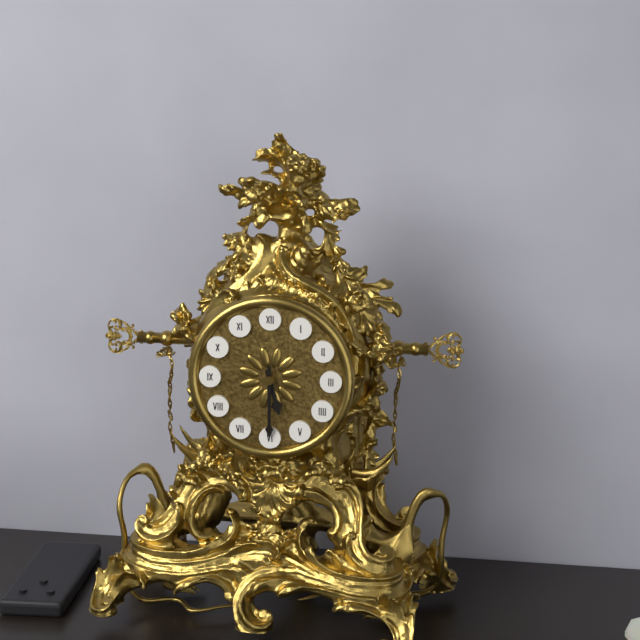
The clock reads h=5 m=30
